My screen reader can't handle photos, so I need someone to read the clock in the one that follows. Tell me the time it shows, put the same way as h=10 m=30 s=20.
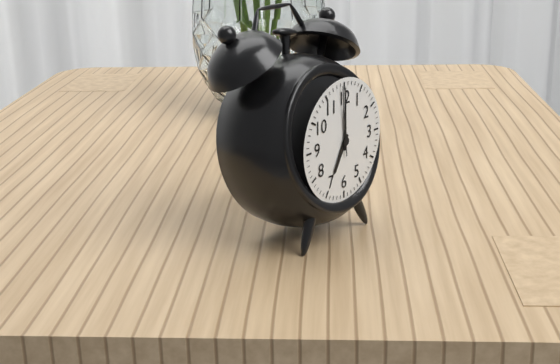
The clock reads h=7 m=0 s=59
